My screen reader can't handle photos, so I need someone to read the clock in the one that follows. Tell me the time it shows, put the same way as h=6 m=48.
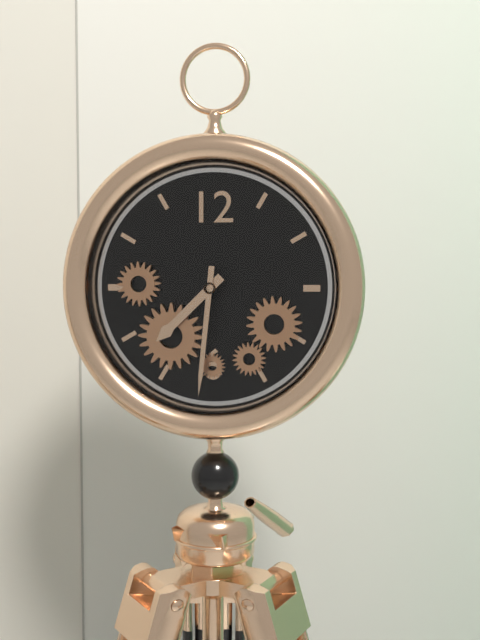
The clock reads h=7 m=31
